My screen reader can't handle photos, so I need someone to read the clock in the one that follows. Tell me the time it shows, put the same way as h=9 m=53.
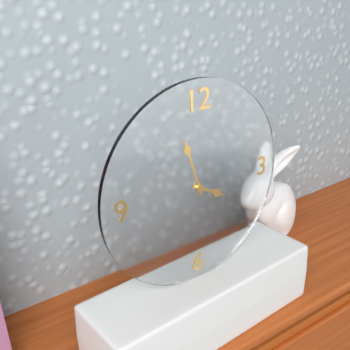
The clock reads h=3 m=57
